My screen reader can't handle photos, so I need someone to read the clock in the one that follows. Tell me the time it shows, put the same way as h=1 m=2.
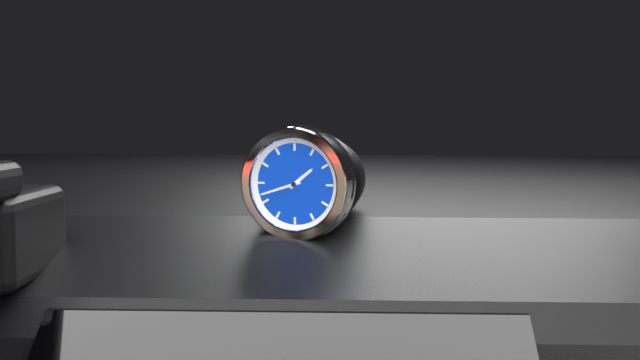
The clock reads h=1 m=42
